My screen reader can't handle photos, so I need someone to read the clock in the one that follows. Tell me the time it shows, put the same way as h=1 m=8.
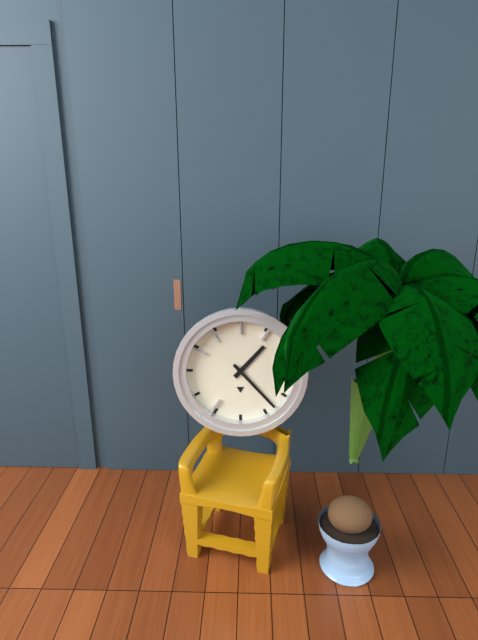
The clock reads h=1 m=23
